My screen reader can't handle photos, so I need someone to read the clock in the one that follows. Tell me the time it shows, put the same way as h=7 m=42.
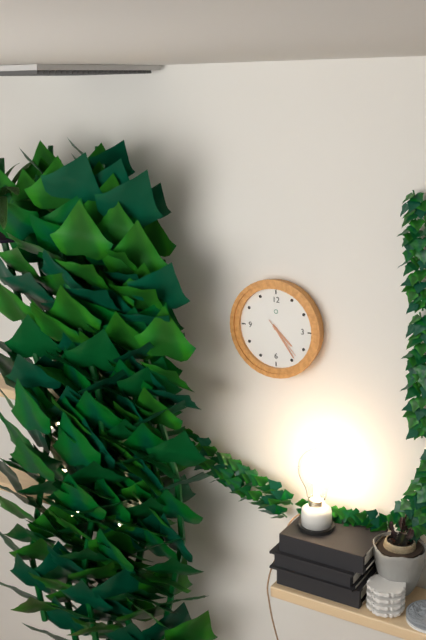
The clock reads h=4 m=24
